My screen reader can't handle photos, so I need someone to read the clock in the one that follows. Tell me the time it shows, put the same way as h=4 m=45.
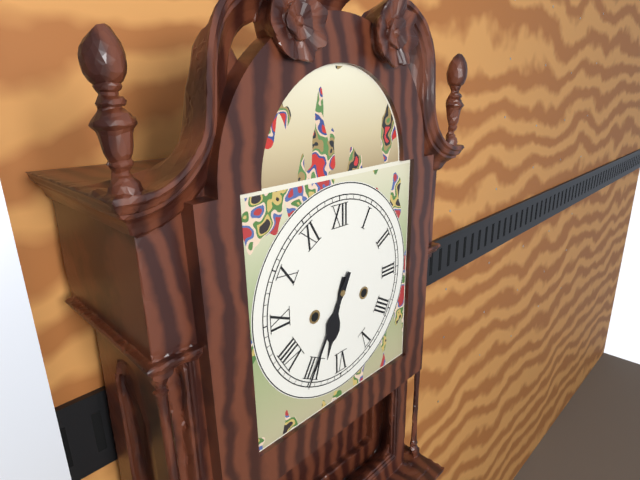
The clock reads h=6 m=35
